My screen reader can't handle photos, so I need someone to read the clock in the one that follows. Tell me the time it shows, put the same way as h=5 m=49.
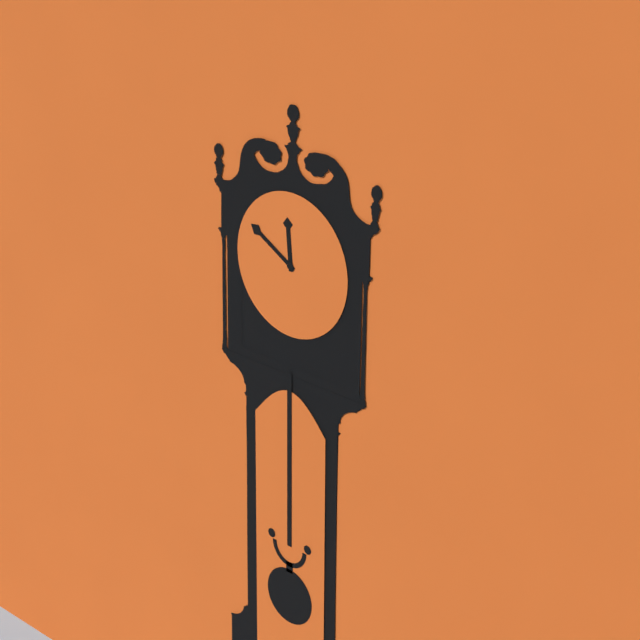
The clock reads h=11 m=50
